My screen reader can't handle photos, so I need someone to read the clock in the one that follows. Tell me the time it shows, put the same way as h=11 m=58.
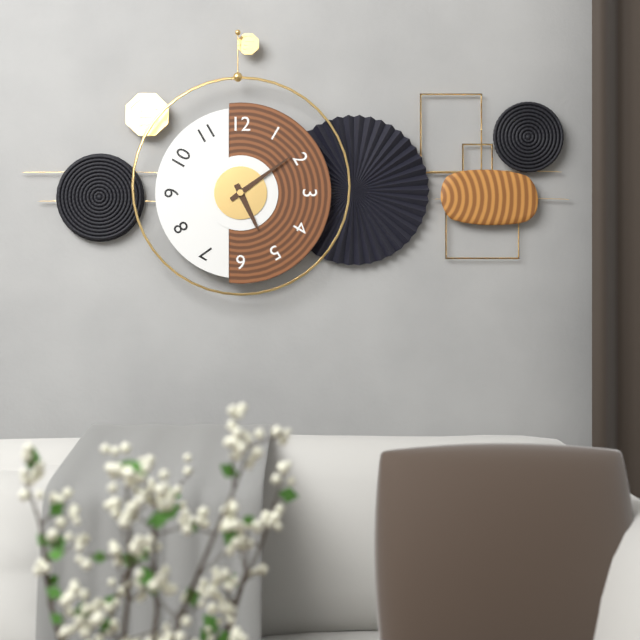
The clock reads h=5 m=9
